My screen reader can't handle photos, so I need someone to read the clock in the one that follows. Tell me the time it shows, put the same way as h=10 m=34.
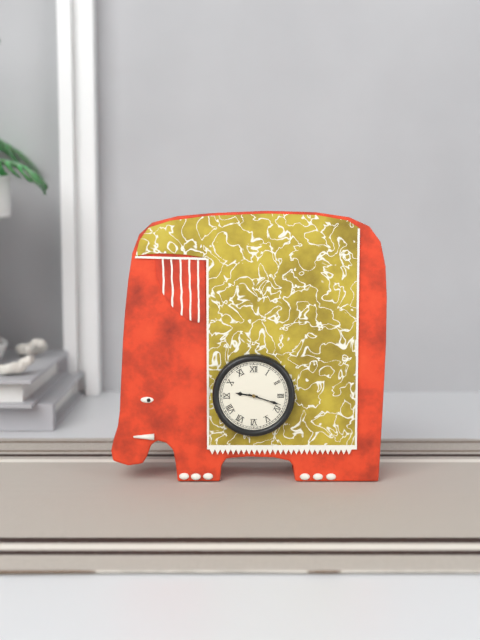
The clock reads h=9 m=18
